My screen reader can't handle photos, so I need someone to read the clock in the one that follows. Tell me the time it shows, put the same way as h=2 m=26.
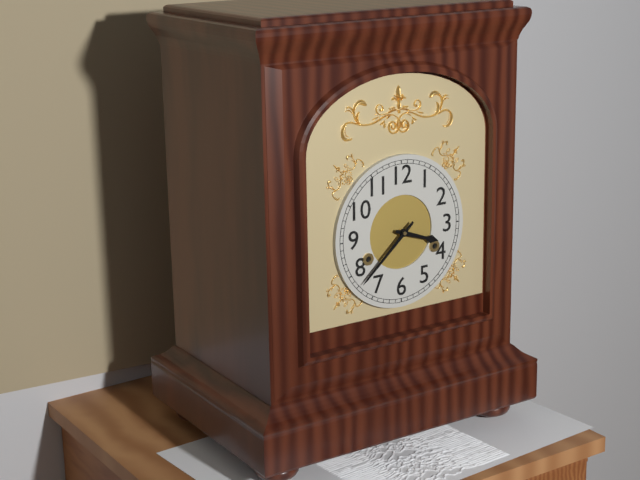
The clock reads h=3 m=38
